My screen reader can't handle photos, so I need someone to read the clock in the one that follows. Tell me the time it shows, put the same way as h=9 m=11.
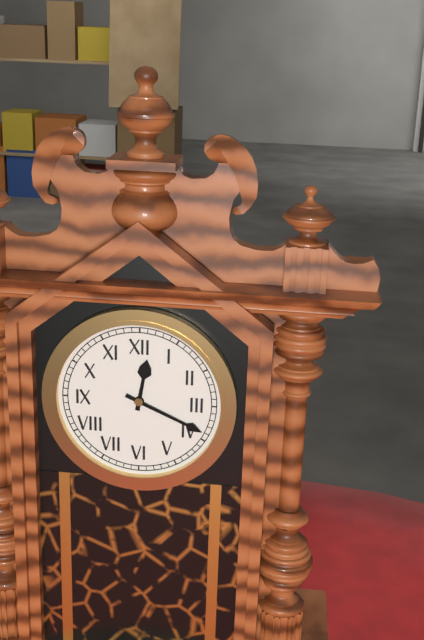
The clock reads h=12 m=19
